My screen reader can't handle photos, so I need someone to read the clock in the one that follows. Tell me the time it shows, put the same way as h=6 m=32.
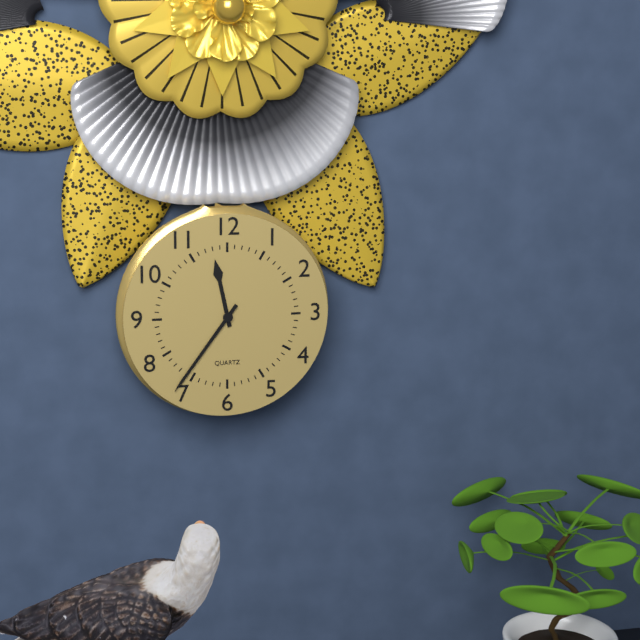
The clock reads h=11 m=36
